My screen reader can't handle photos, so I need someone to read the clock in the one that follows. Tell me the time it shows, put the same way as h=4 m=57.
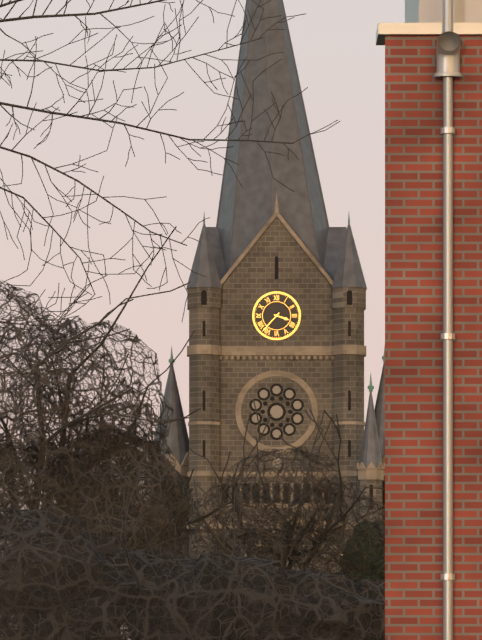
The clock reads h=3 m=37
